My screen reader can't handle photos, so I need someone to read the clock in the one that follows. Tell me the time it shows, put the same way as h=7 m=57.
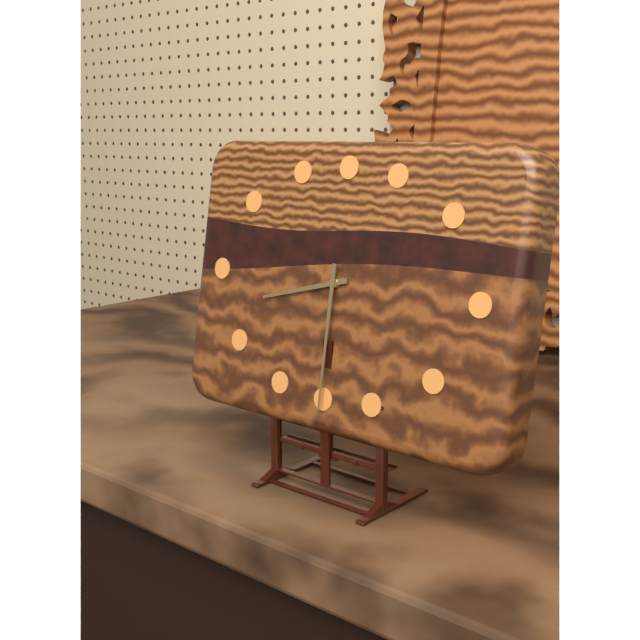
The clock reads h=8 m=30
